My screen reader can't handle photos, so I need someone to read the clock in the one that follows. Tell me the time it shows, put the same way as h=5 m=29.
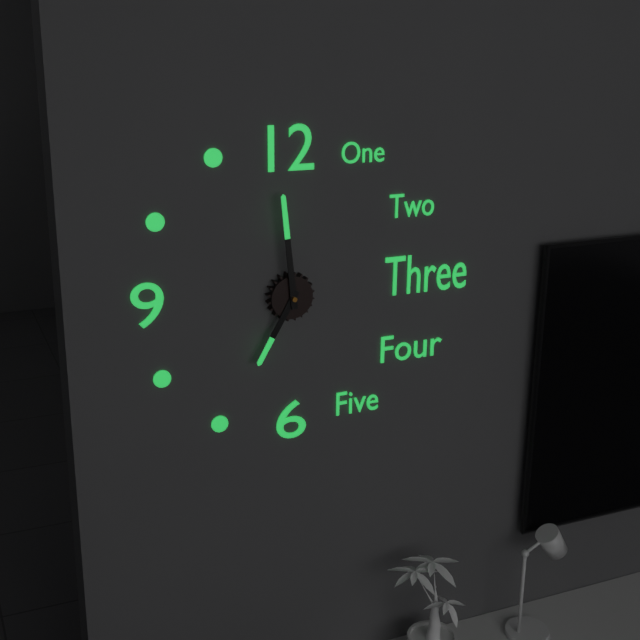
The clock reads h=6 m=59
